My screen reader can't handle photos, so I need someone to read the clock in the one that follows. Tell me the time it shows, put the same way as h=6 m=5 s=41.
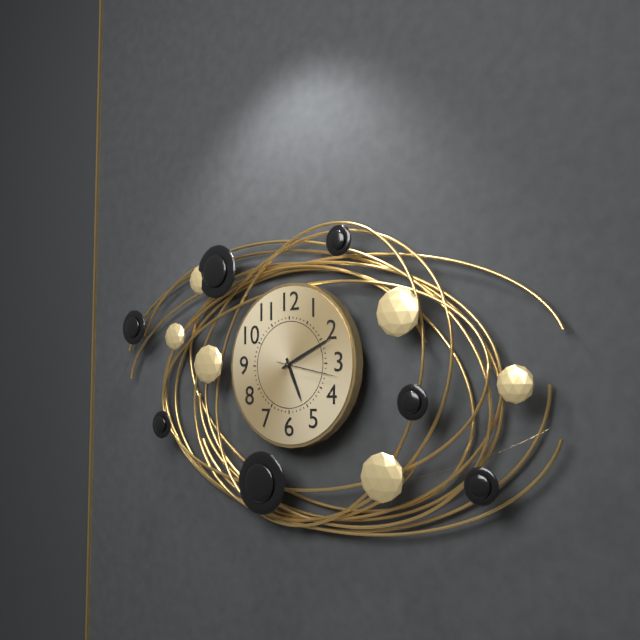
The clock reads h=5 m=11 s=17
